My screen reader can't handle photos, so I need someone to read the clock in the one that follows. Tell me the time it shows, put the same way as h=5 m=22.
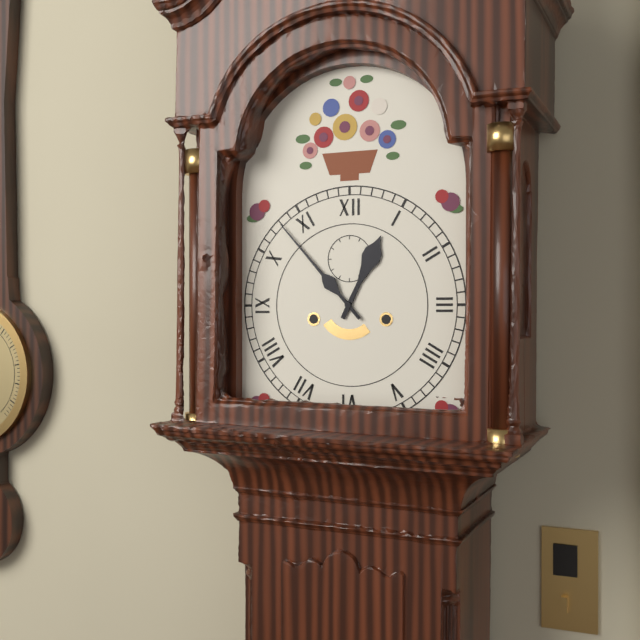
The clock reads h=12 m=53
